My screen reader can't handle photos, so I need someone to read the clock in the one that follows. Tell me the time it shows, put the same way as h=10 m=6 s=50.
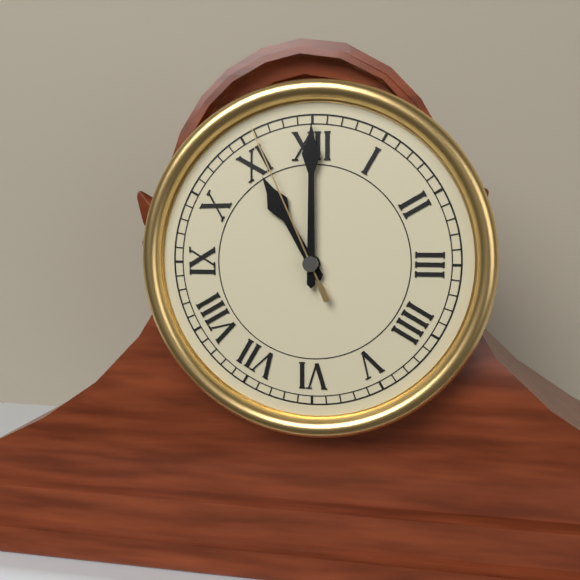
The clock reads h=11 m=0 s=56
